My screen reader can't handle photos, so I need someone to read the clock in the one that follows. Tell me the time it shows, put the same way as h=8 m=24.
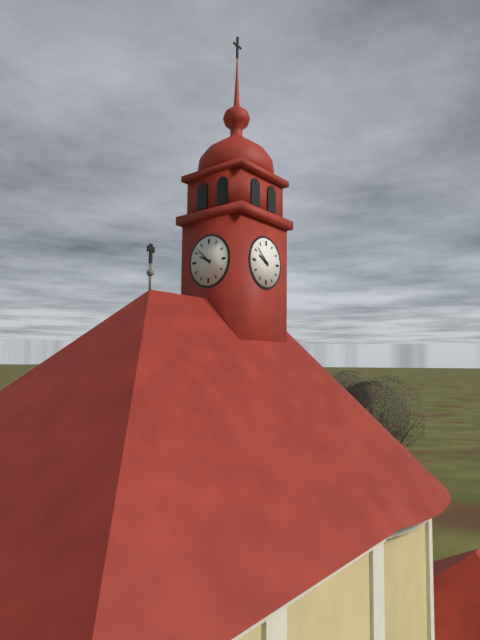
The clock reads h=9 m=52
